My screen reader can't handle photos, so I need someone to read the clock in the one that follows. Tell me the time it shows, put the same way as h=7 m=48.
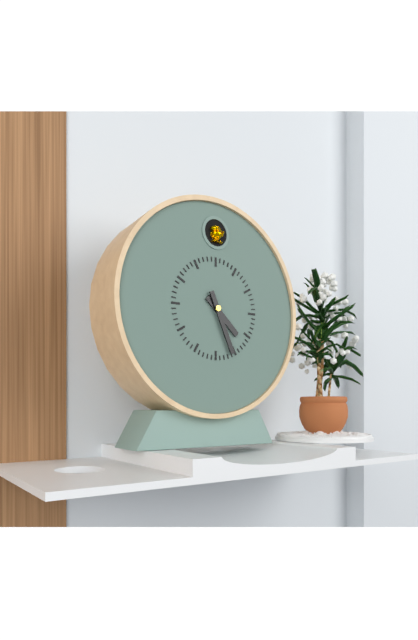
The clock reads h=4 m=26
